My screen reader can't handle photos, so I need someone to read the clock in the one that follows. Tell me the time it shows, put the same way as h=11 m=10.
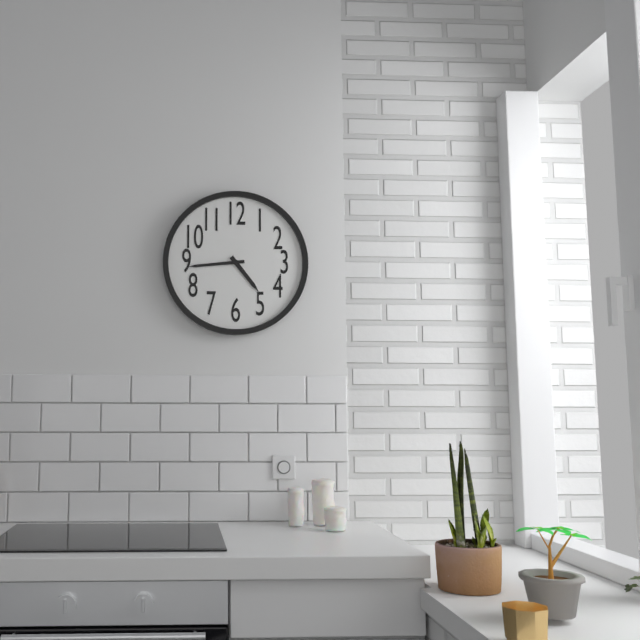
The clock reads h=4 m=44
